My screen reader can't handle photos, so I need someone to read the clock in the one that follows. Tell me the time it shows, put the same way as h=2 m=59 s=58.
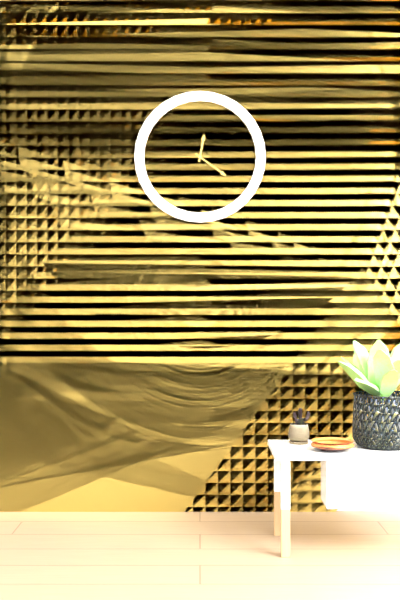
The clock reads h=12 m=21 s=45
